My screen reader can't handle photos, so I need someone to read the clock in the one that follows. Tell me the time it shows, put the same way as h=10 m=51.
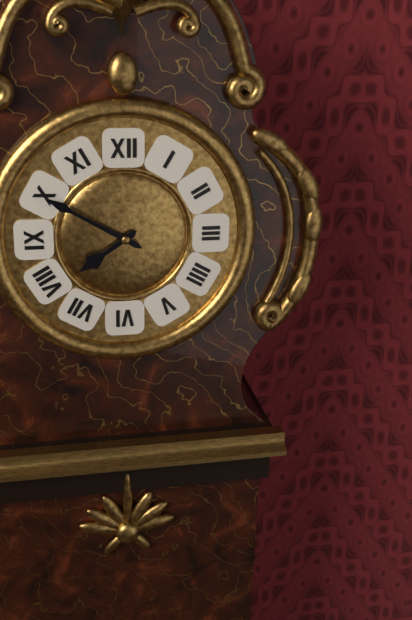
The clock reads h=7 m=50
